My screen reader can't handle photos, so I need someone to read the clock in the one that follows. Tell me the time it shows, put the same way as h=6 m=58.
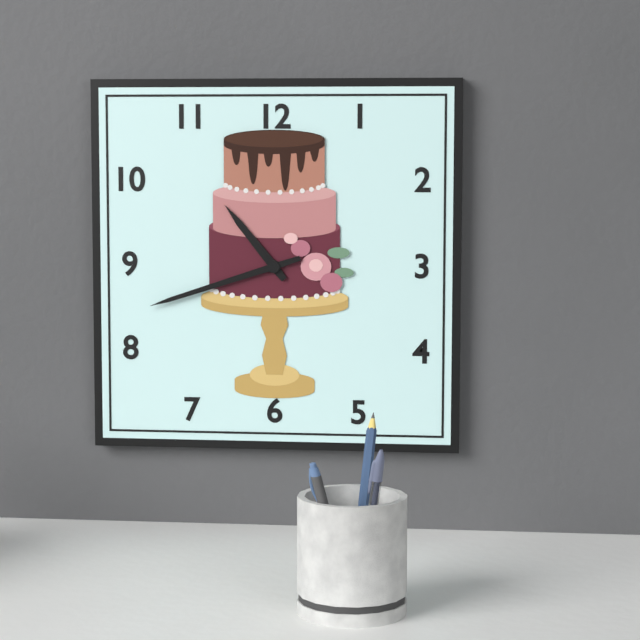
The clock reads h=10 m=42
